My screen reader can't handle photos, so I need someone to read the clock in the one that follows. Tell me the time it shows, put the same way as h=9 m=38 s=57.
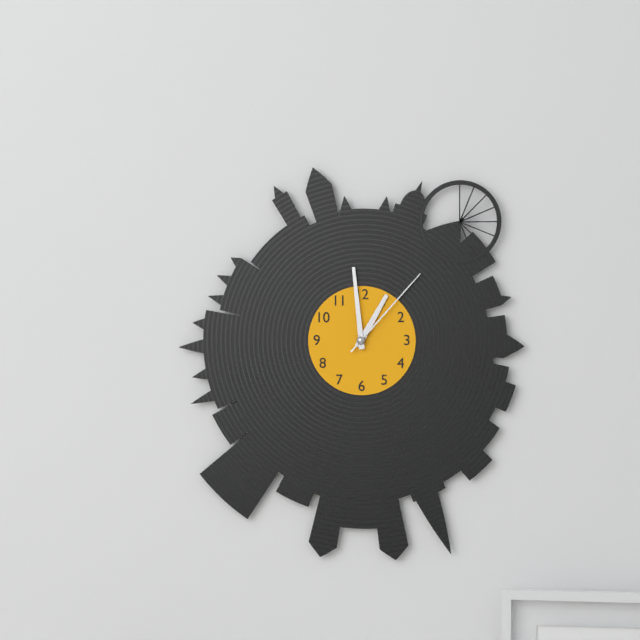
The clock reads h=12 m=59 s=7
